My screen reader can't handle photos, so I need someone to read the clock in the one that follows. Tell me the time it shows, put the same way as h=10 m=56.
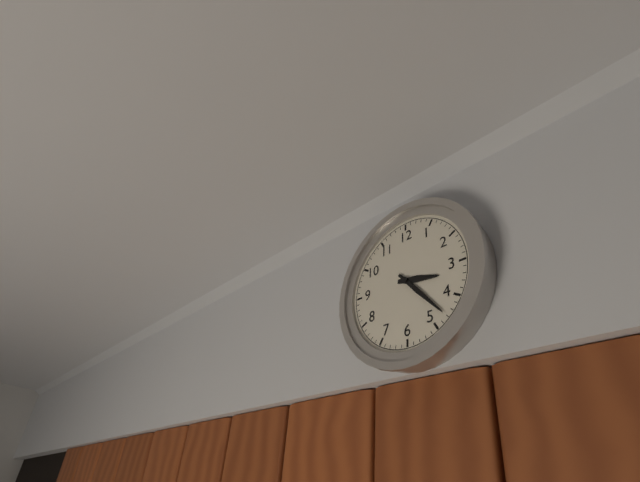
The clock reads h=3 m=23
